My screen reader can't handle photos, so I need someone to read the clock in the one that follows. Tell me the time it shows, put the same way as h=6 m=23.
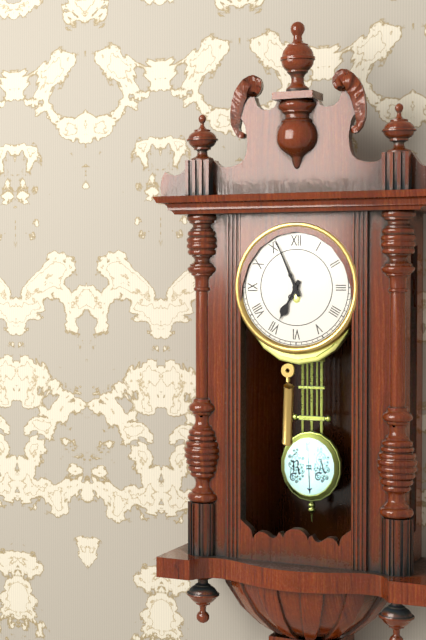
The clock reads h=6 m=56
